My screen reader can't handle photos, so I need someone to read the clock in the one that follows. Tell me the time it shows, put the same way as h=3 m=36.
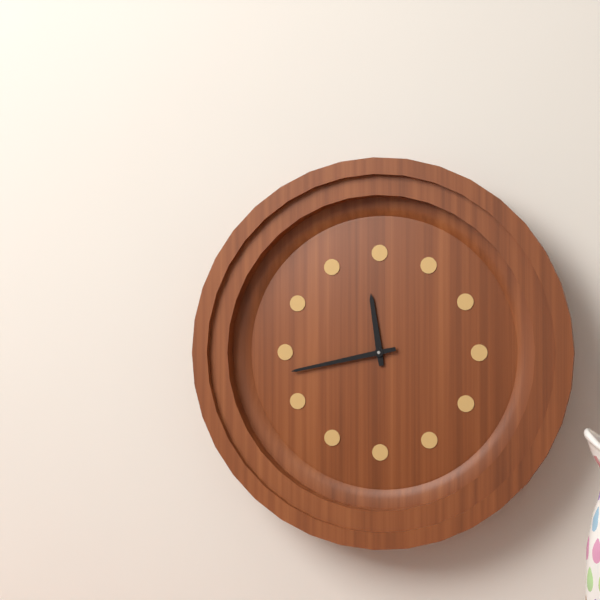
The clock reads h=11 m=43
